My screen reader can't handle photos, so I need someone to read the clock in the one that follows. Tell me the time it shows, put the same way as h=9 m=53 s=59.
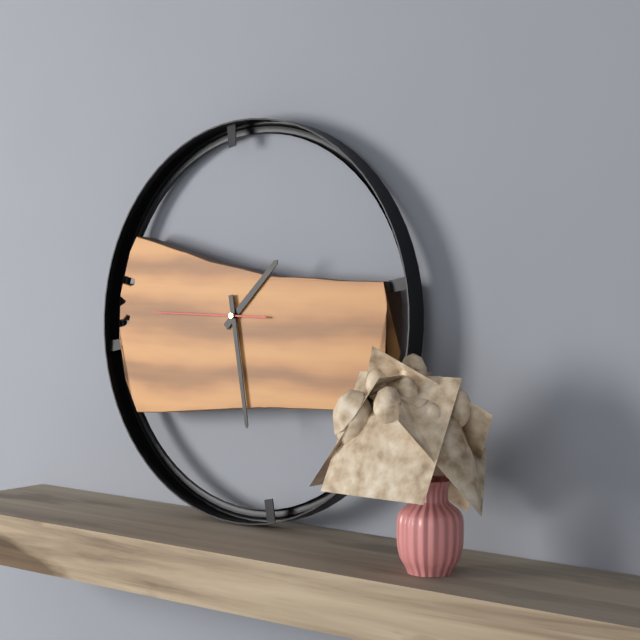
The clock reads h=1 m=28 s=45
